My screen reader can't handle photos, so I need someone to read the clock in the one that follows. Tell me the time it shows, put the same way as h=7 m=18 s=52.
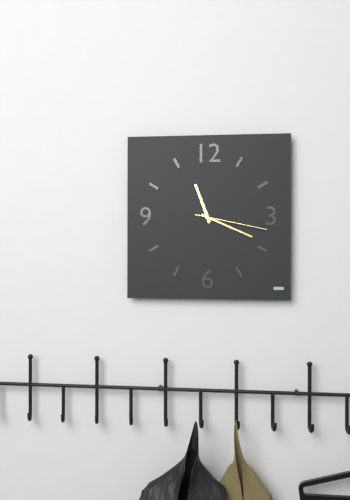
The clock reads h=11 m=19 s=17
